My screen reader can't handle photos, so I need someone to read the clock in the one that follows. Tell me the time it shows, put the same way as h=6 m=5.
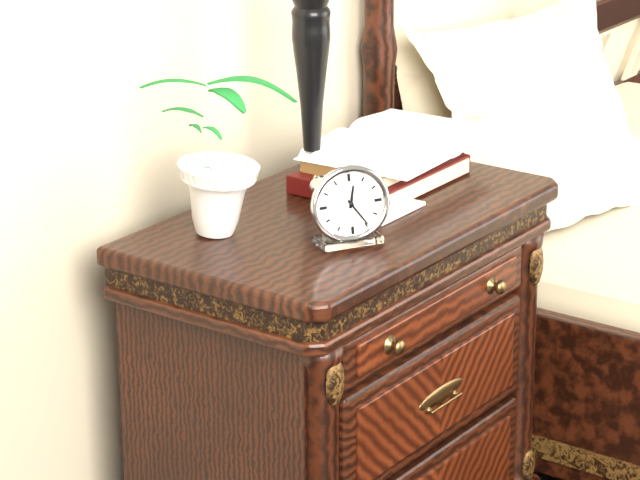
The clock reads h=12 m=24
